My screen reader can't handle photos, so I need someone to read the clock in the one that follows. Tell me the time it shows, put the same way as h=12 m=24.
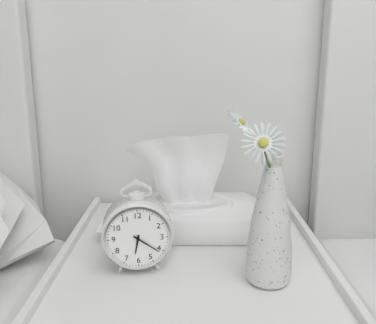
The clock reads h=6 m=21
